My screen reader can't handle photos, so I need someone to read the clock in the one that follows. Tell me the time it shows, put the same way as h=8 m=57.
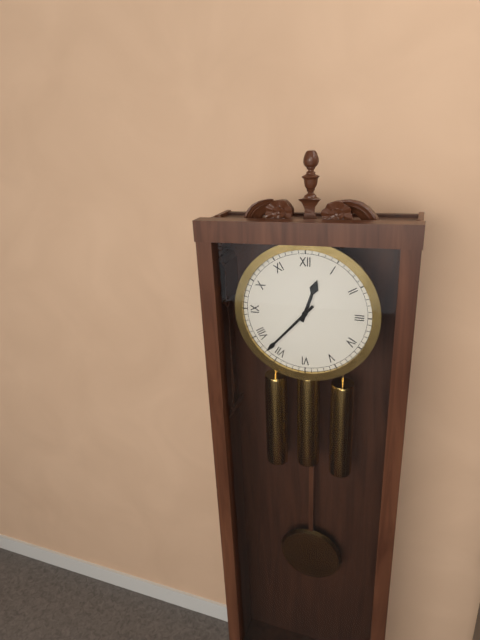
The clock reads h=12 m=37
